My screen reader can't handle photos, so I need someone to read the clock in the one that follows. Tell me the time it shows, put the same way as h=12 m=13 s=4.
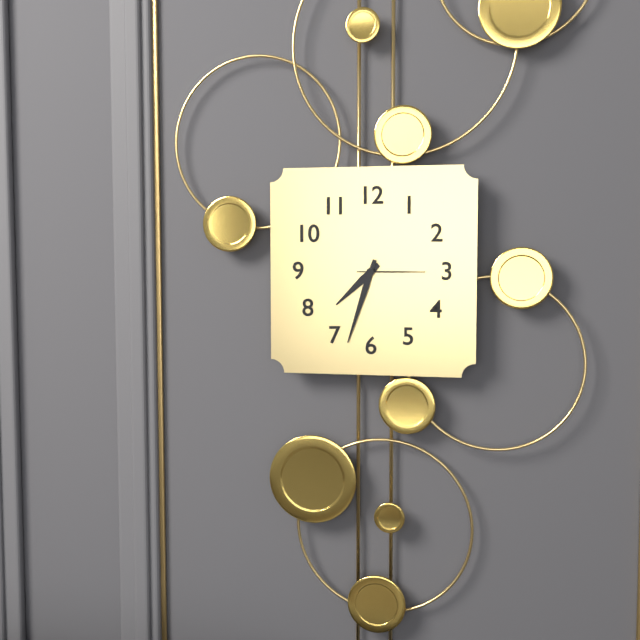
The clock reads h=7 m=33 s=15
